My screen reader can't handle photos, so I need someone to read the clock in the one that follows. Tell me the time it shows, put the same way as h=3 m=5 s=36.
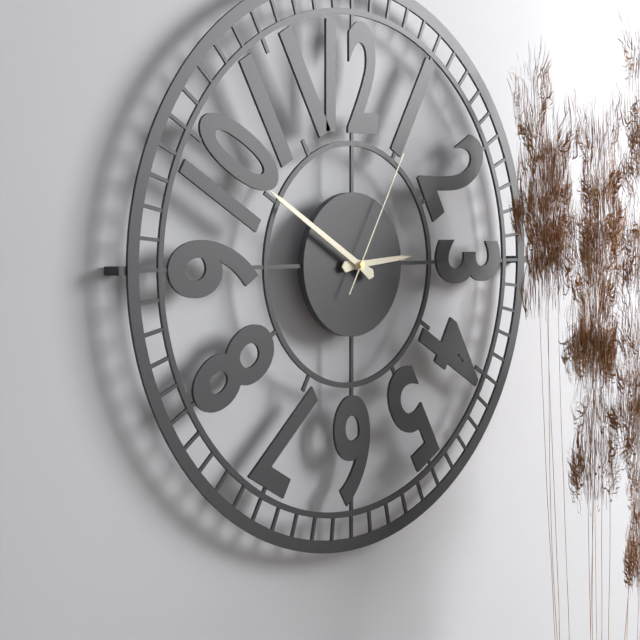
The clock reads h=2 m=50 s=5
